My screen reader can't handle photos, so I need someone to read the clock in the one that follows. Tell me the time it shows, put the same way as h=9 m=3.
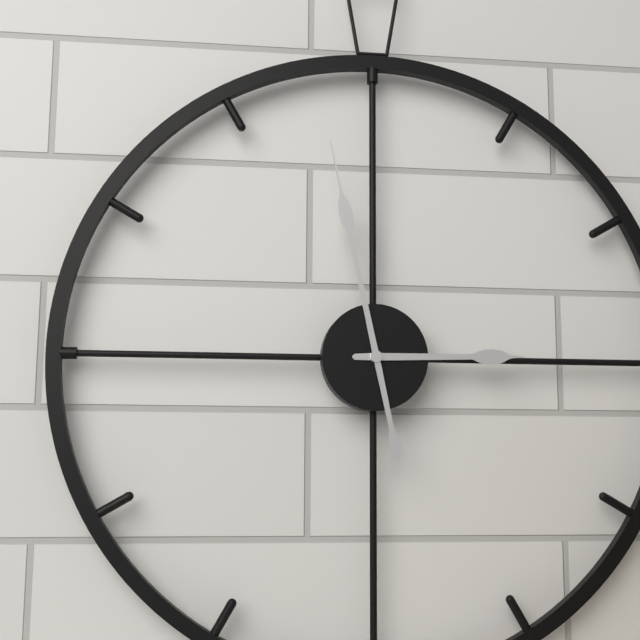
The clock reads h=2 m=58
